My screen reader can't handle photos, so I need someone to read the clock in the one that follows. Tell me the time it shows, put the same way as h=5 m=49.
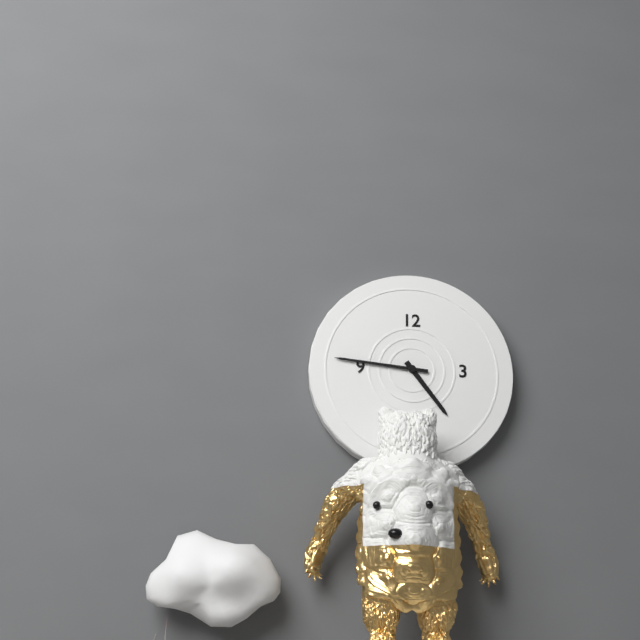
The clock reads h=4 m=46
